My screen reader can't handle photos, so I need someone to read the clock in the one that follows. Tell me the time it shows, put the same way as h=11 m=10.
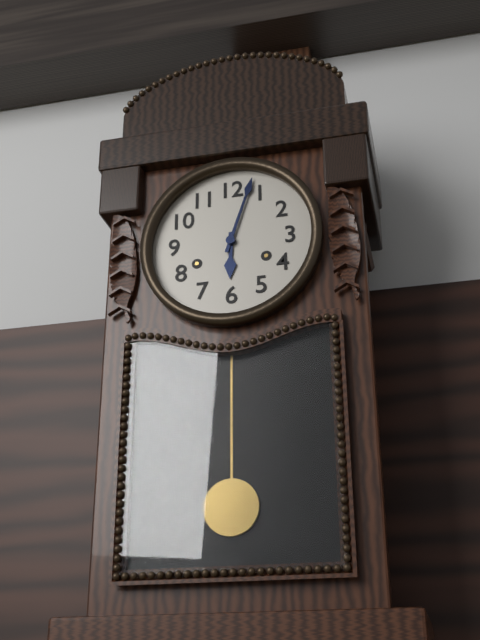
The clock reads h=6 m=3
